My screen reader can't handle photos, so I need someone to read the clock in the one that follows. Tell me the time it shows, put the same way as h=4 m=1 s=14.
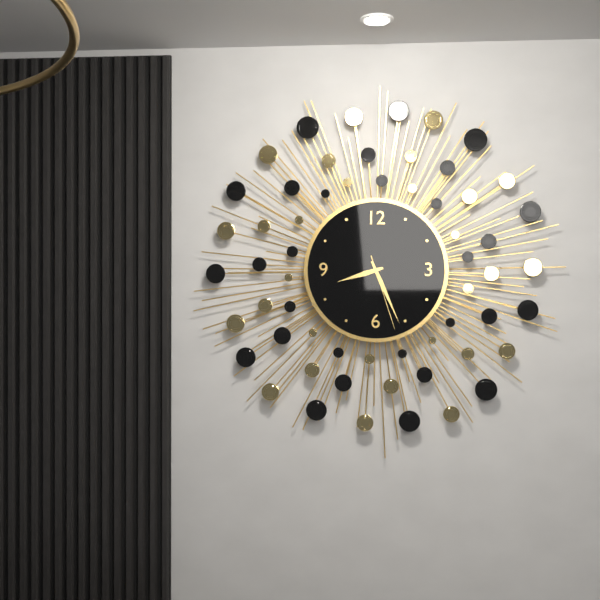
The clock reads h=8 m=26 s=27
